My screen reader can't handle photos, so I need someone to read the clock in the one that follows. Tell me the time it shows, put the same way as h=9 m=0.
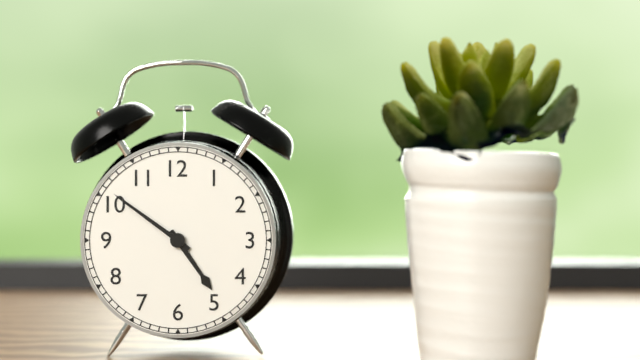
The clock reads h=4 m=51
